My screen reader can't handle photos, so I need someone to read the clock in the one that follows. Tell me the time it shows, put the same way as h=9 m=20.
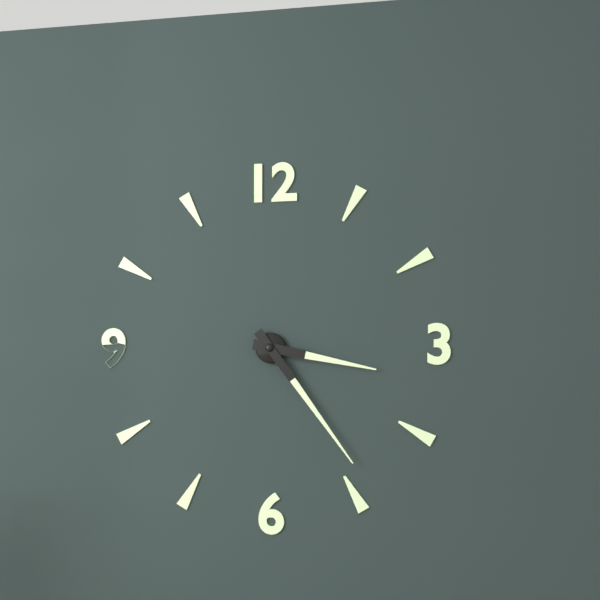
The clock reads h=3 m=24
